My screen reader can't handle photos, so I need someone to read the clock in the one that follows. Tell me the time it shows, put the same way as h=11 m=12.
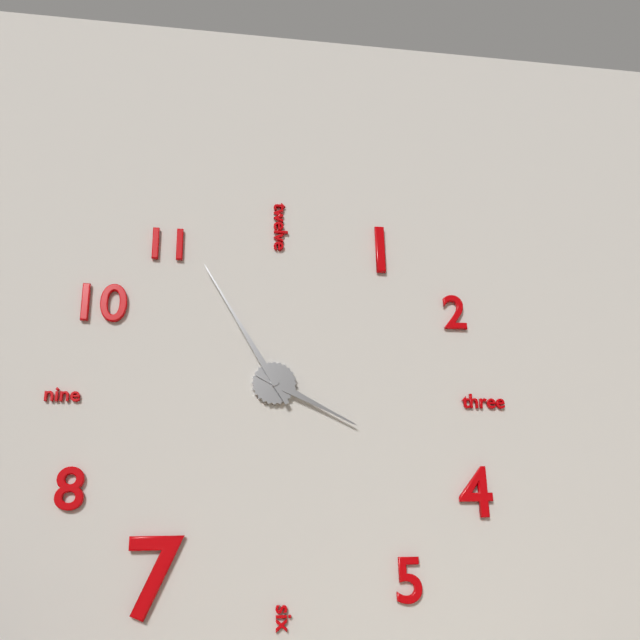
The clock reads h=3 m=55
